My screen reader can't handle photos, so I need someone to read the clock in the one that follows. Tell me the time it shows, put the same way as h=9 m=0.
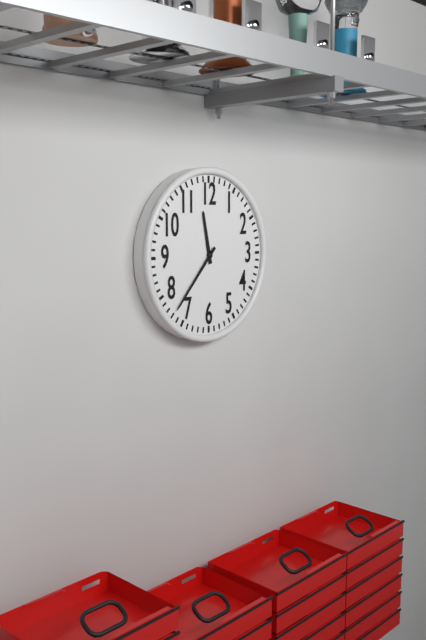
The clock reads h=11 m=37
